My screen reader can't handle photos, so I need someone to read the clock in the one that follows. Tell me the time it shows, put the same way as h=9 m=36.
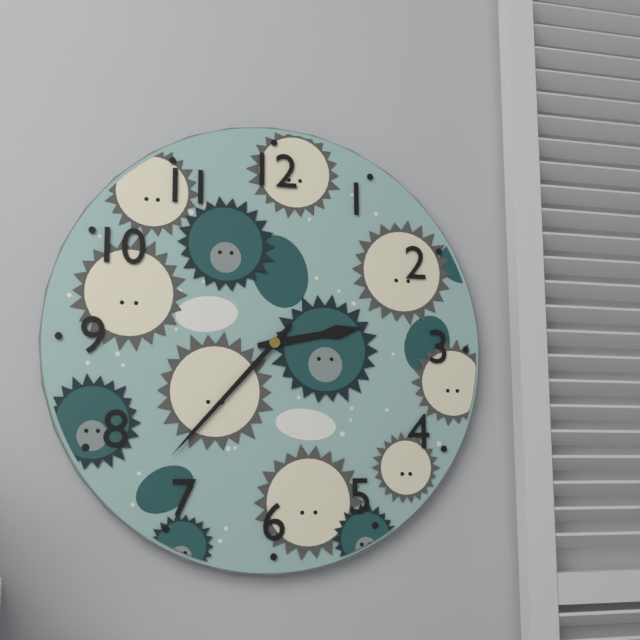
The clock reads h=2 m=37
